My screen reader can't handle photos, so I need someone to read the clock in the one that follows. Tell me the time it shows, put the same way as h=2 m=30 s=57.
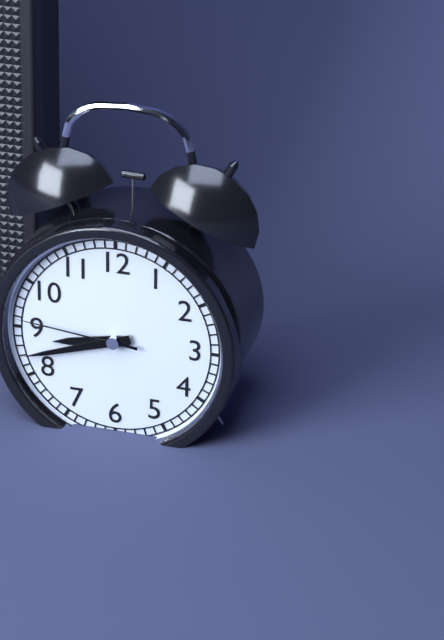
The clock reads h=8 m=42 s=46
